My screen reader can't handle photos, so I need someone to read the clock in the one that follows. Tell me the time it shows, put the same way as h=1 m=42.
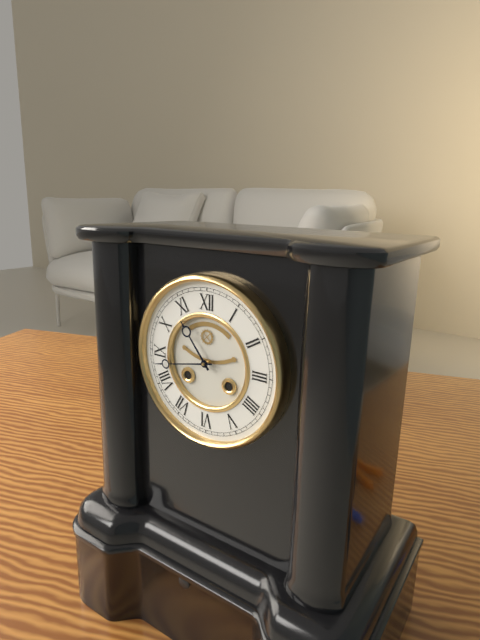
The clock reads h=10 m=43
